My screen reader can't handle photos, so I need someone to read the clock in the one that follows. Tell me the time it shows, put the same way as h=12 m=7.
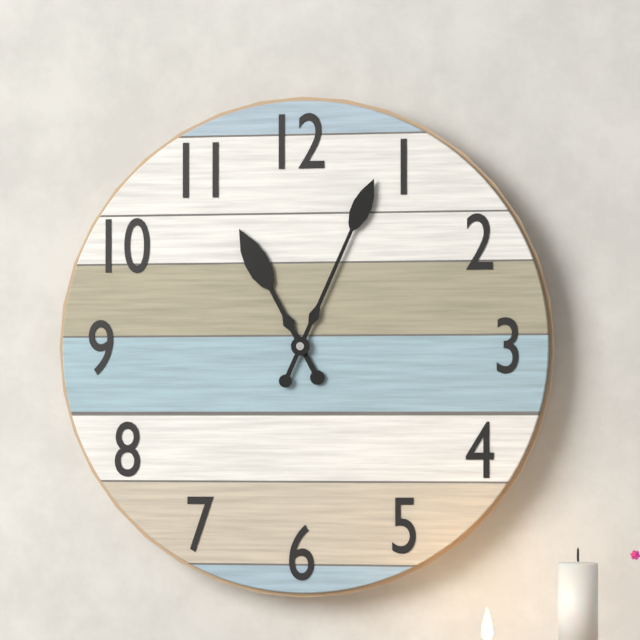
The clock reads h=11 m=4
